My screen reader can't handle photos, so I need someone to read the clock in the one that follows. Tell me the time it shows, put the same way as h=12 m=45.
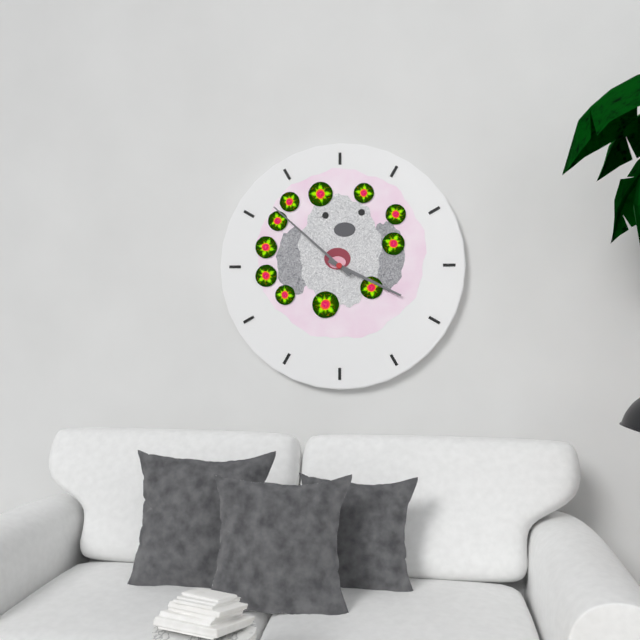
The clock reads h=3 m=52
